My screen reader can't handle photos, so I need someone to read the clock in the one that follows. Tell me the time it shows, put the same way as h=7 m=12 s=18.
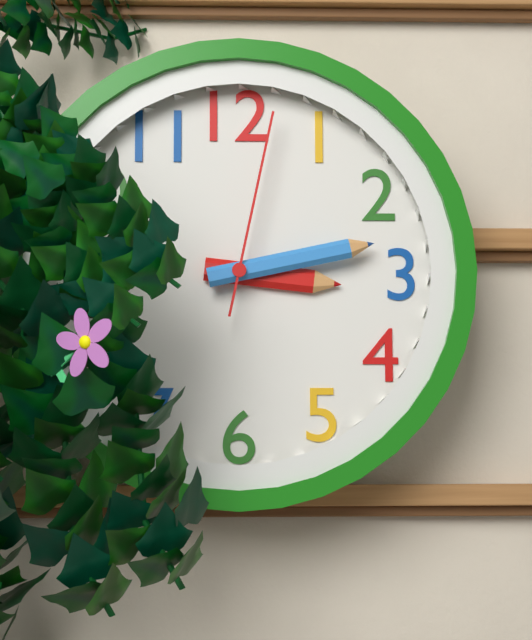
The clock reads h=3 m=13 s=2
